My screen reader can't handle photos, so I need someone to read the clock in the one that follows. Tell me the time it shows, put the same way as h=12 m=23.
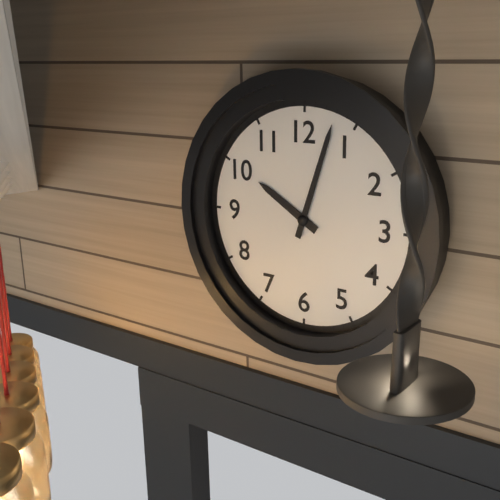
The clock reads h=10 m=3
